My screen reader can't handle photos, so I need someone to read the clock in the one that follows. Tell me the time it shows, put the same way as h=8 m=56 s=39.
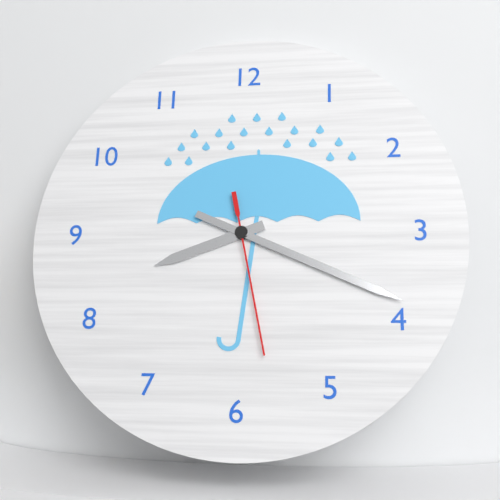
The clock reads h=8 m=19 s=28
